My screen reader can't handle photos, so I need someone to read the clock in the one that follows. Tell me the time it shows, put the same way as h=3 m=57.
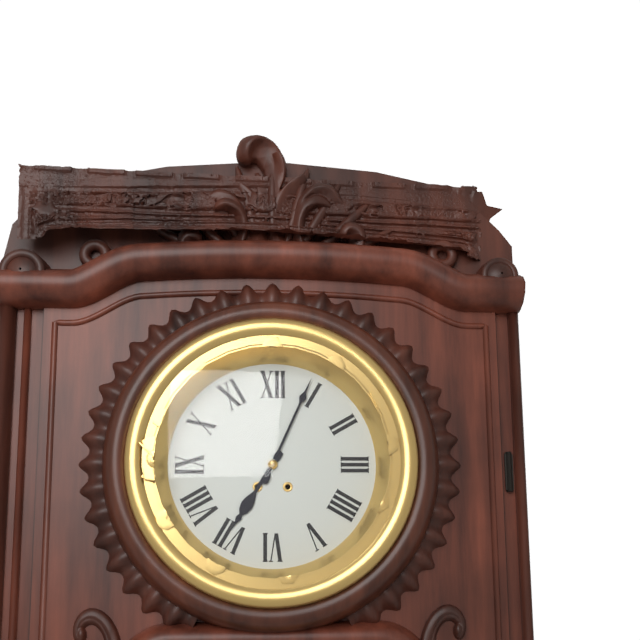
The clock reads h=7 m=4
